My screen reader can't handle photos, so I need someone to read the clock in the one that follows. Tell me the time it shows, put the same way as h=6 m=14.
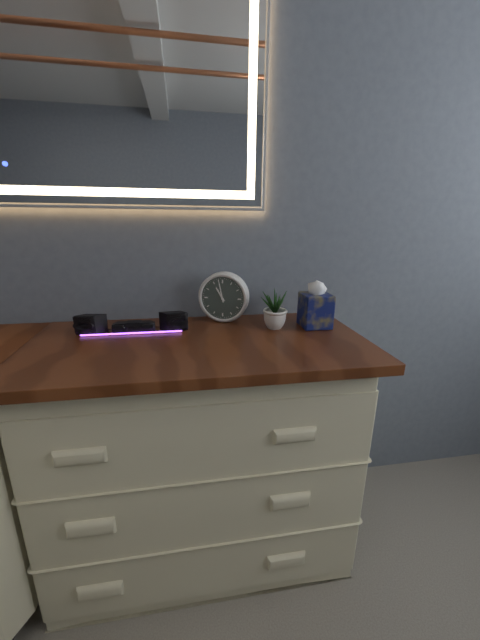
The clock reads h=10 m=58
